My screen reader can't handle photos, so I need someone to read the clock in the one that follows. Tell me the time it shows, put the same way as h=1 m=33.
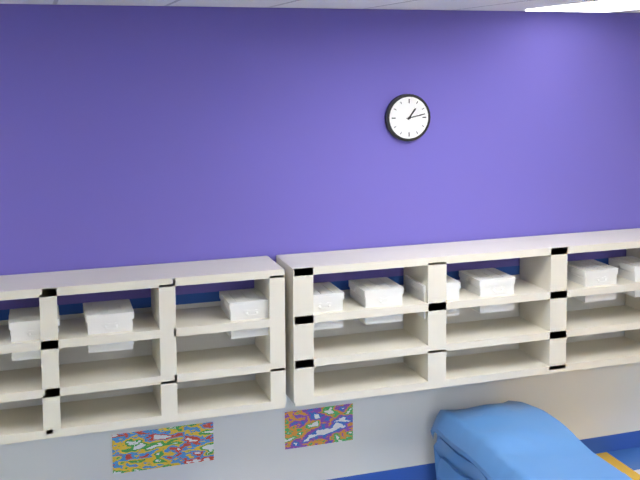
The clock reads h=1 m=13
